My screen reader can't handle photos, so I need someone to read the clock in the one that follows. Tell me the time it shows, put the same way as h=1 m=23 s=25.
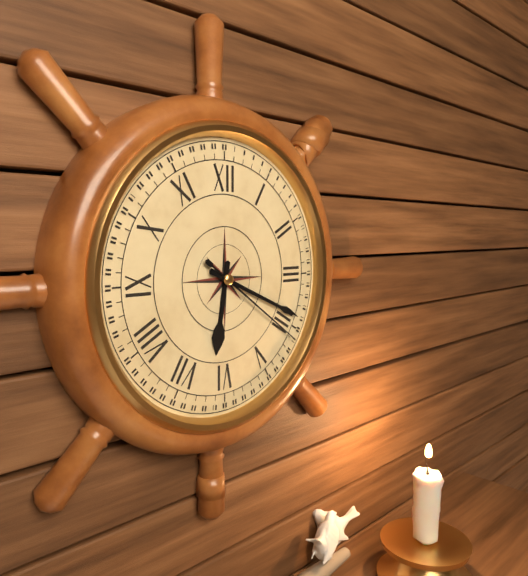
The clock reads h=6 m=19 s=21
